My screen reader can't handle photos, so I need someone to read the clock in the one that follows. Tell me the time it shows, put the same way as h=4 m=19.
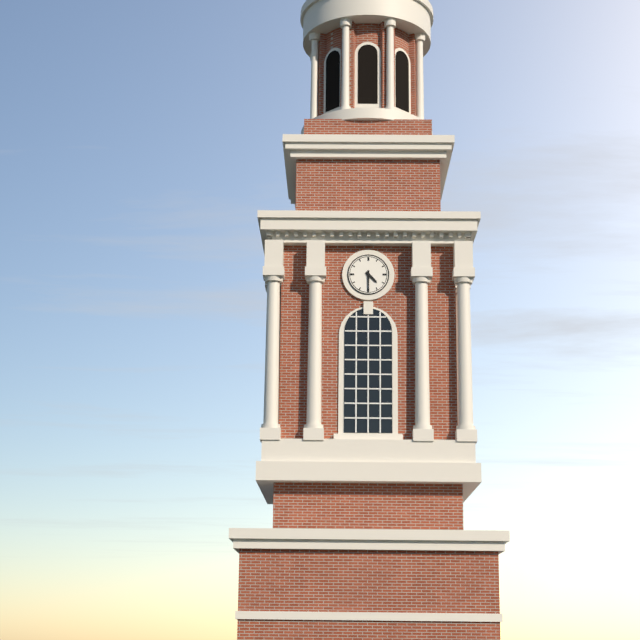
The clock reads h=4 m=30
